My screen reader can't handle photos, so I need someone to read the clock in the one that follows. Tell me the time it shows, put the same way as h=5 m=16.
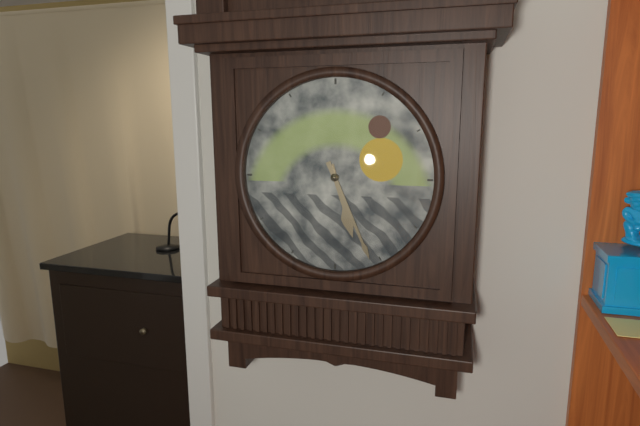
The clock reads h=5 m=26
